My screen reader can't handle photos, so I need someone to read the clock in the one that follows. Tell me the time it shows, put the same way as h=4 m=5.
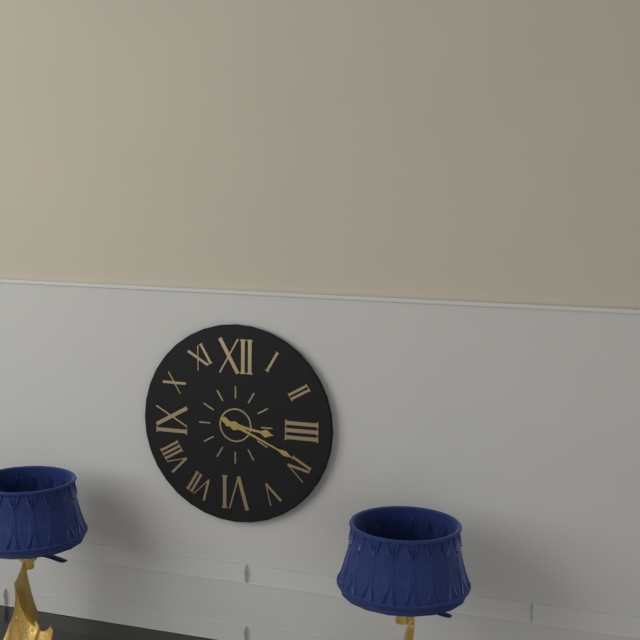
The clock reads h=3 m=19
